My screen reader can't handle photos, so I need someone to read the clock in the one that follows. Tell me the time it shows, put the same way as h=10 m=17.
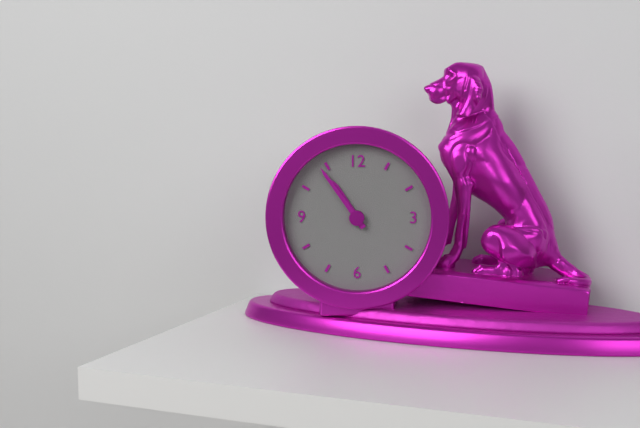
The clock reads h=10 m=54
